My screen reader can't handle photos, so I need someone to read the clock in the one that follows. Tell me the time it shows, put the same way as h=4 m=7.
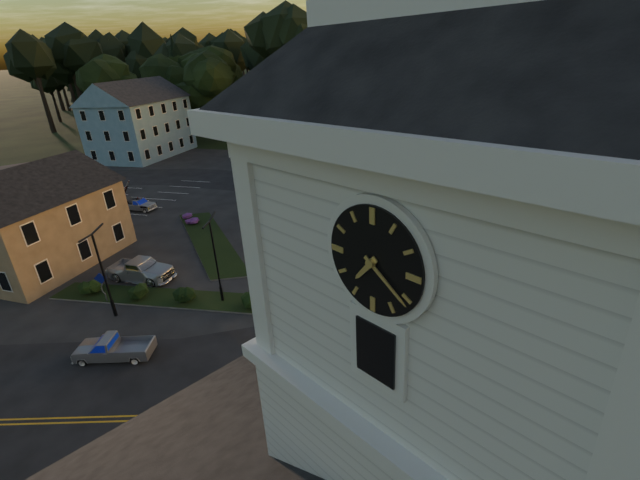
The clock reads h=7 m=21
